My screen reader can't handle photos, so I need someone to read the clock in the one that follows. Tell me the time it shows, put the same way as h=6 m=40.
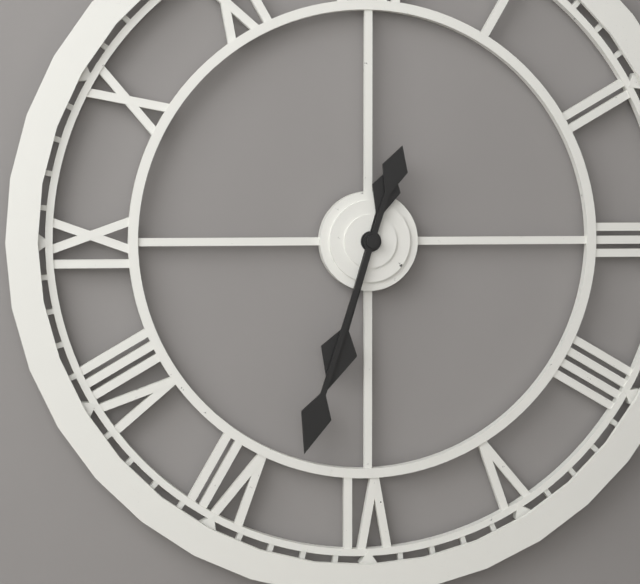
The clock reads h=6 m=33
